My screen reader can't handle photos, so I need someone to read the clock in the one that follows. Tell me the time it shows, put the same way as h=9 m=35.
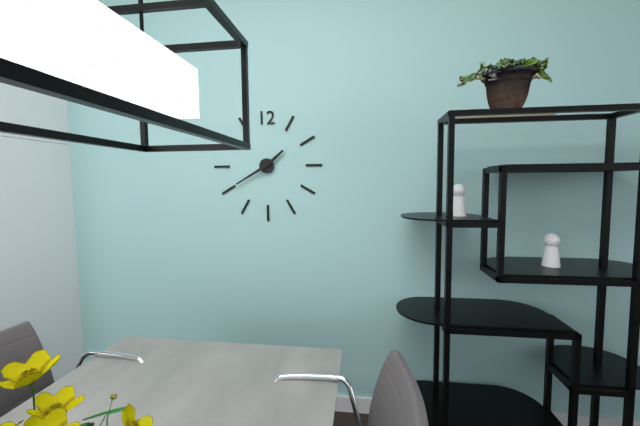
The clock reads h=1 m=40
